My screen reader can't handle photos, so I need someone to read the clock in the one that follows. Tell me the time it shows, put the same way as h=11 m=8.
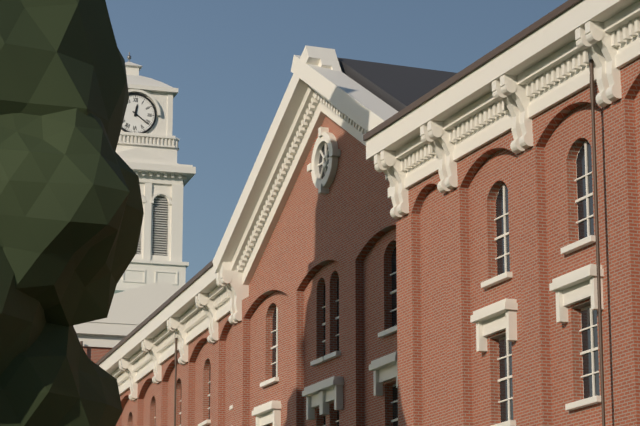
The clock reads h=12 m=21
